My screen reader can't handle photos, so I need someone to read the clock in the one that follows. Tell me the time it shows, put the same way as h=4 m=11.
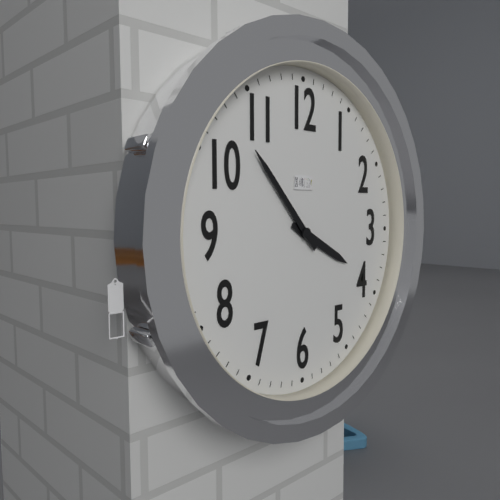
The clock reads h=3 m=53
